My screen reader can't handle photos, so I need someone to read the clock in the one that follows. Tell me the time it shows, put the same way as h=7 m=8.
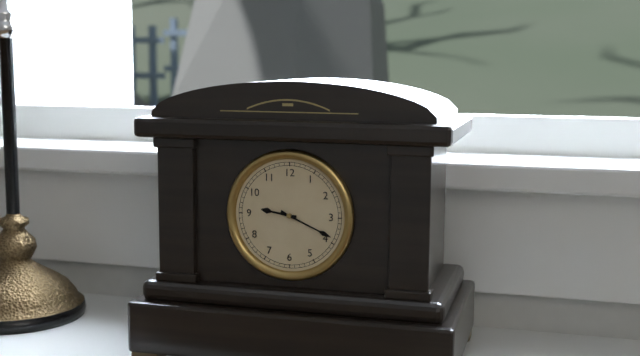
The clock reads h=9 m=19
